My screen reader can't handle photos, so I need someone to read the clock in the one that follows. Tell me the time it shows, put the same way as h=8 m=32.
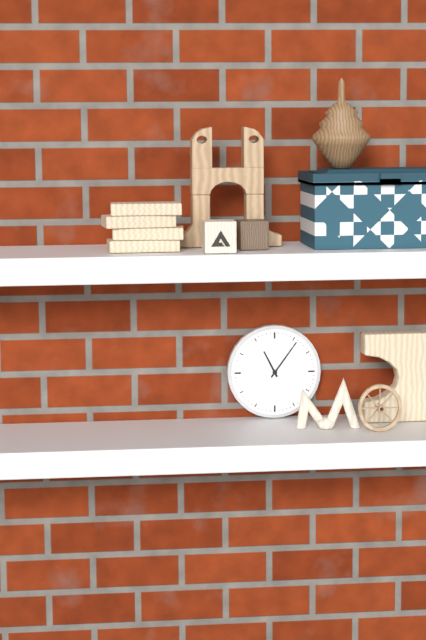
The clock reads h=11 m=6
